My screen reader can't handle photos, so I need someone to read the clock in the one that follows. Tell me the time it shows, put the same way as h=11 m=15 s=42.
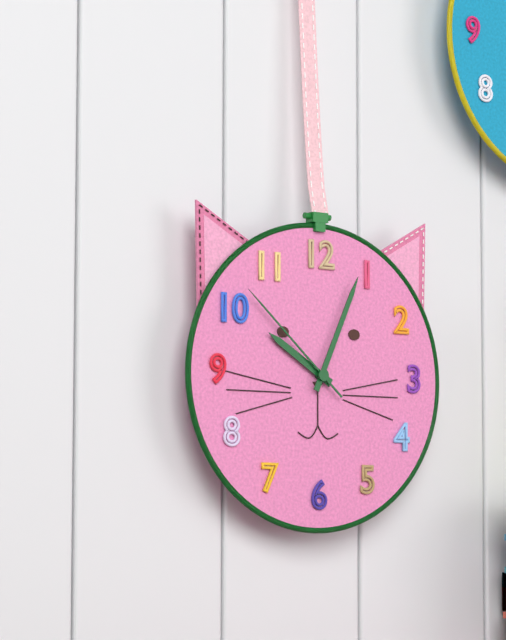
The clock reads h=10 m=4 s=52
